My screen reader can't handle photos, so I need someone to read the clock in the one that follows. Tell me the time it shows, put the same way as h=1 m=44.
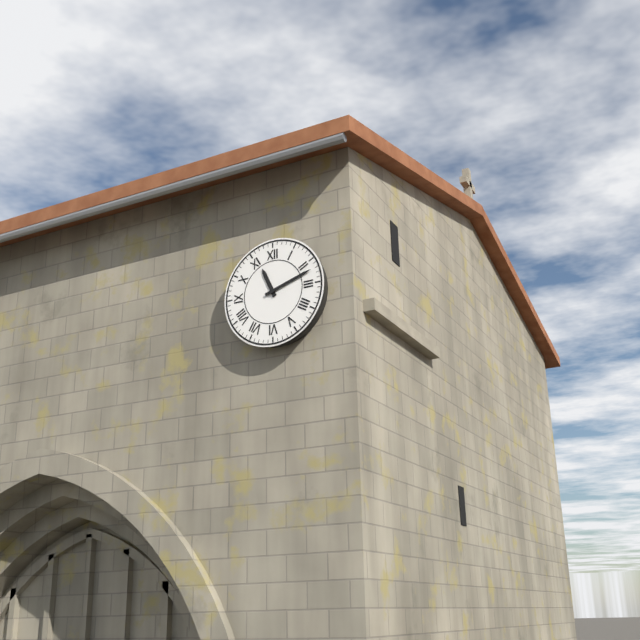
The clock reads h=11 m=12
